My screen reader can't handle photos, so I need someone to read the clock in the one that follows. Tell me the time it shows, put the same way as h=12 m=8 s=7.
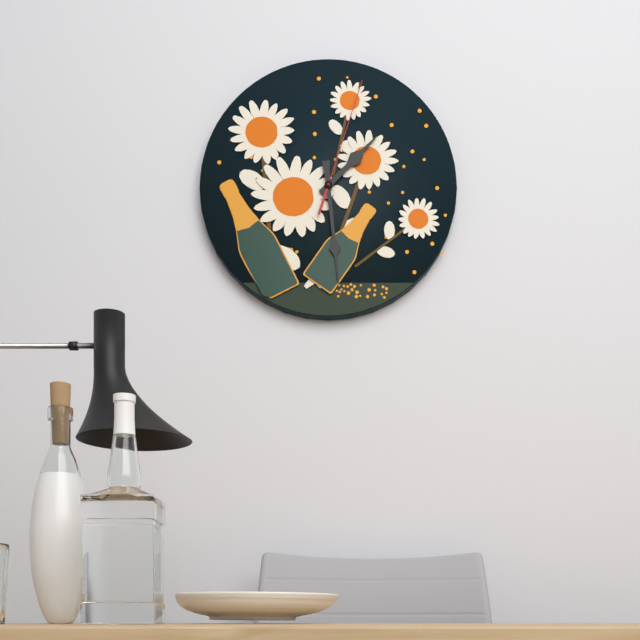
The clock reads h=1 m=29 s=3
